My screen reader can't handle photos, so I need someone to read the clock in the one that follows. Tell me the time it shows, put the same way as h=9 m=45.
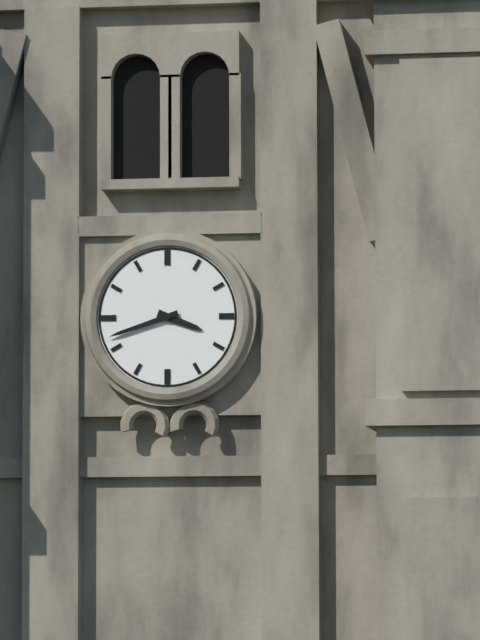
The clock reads h=3 m=42
